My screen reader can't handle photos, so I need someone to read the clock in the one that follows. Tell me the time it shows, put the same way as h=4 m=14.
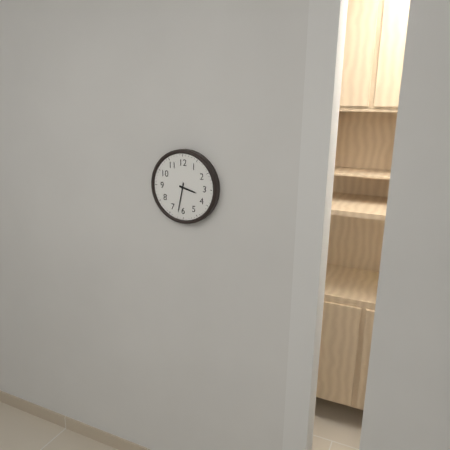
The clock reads h=3 m=32
